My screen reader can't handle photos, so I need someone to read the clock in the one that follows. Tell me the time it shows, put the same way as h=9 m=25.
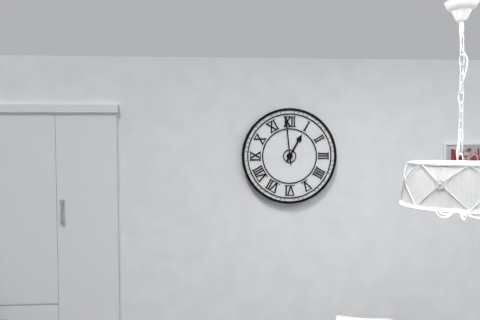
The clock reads h=12 m=59
